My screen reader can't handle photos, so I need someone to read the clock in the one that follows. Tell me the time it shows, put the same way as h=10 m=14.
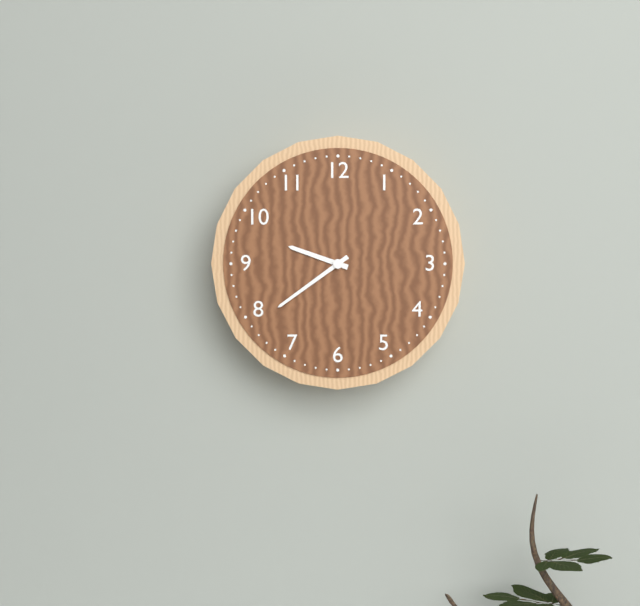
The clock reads h=9 m=39
